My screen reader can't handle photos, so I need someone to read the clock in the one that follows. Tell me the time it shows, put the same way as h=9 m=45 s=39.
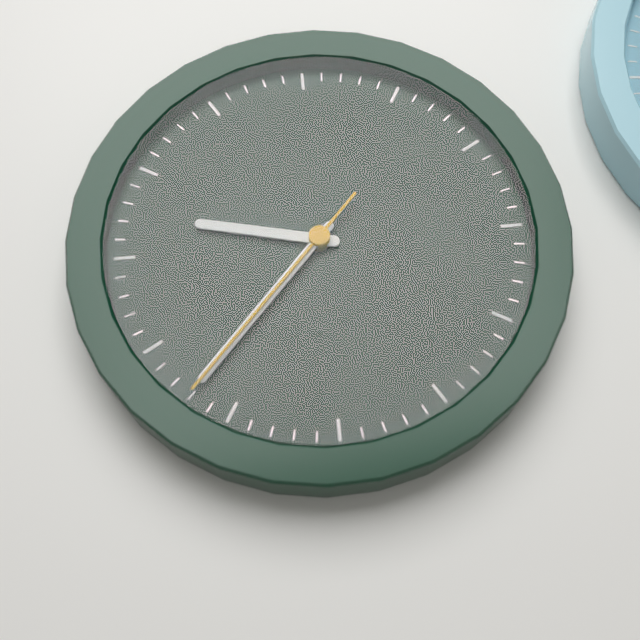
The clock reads h=7 m=27 s=27
